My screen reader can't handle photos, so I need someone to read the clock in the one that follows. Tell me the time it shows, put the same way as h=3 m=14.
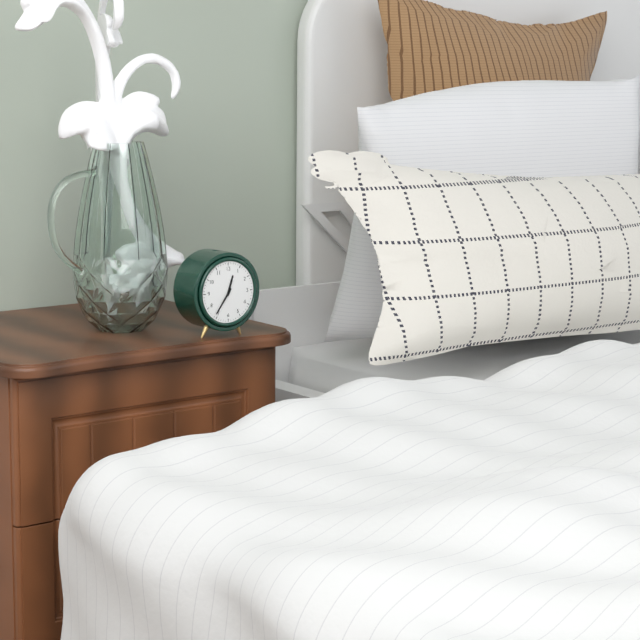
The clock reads h=12 m=36
